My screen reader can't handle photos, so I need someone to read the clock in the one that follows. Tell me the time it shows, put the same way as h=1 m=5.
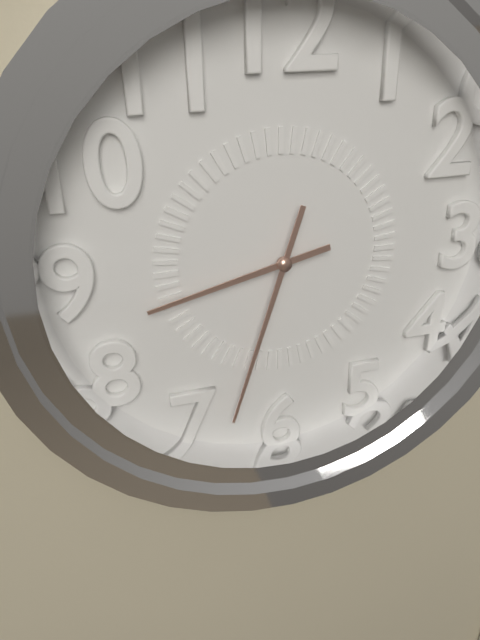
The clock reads h=8 m=33
